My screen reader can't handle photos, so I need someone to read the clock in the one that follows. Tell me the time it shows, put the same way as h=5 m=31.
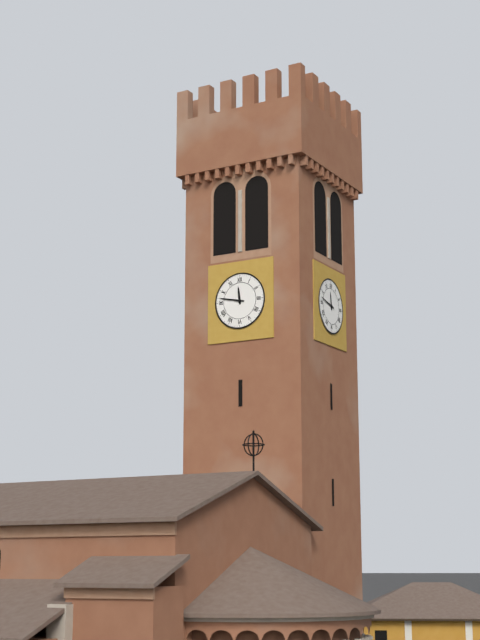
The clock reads h=11 m=47
